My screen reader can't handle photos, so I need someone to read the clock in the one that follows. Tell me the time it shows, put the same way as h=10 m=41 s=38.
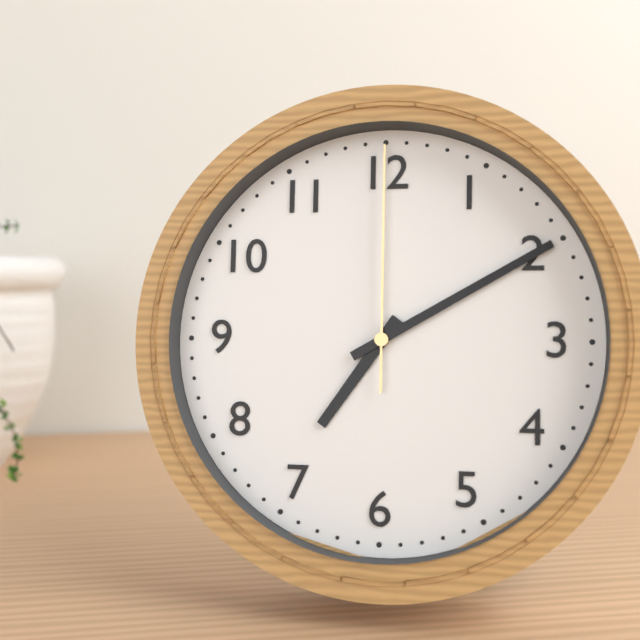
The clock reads h=7 m=10 s=0
